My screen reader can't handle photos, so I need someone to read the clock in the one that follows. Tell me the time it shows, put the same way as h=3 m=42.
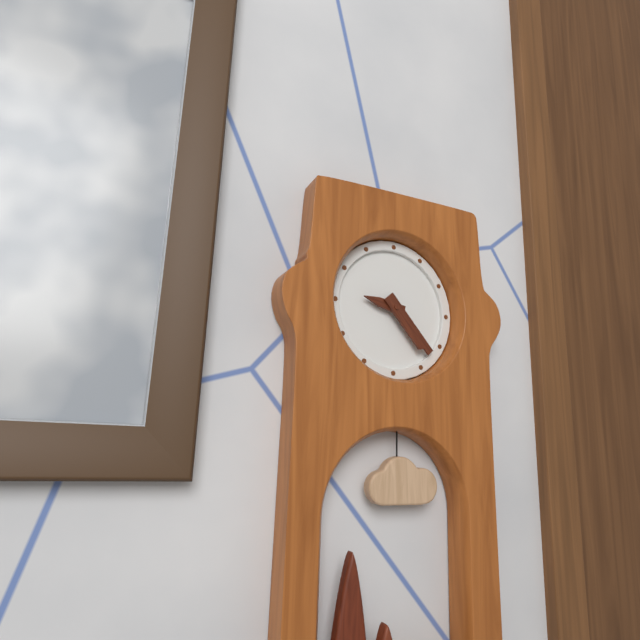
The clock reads h=9 m=23
